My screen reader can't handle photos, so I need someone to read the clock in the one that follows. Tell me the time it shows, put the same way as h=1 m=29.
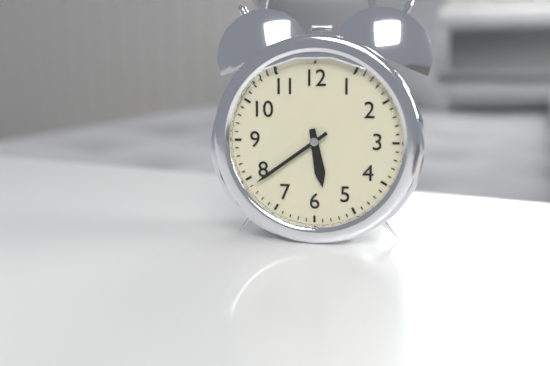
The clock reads h=5 m=39
